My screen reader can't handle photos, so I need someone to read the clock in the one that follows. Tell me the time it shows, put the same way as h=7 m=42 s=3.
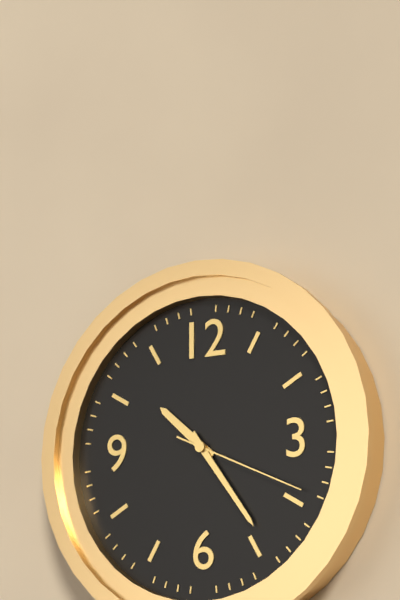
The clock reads h=10 m=24 s=19
